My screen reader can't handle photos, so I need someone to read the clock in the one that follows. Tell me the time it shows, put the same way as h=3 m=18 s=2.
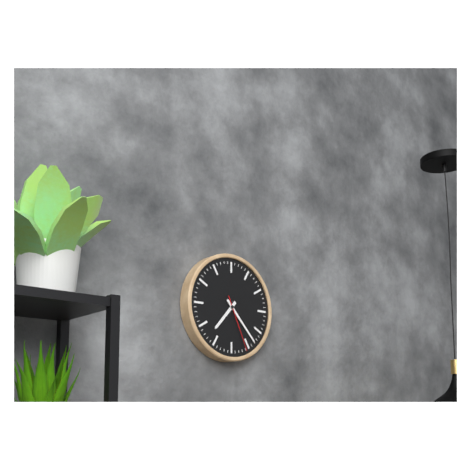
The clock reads h=7 m=23 s=26
